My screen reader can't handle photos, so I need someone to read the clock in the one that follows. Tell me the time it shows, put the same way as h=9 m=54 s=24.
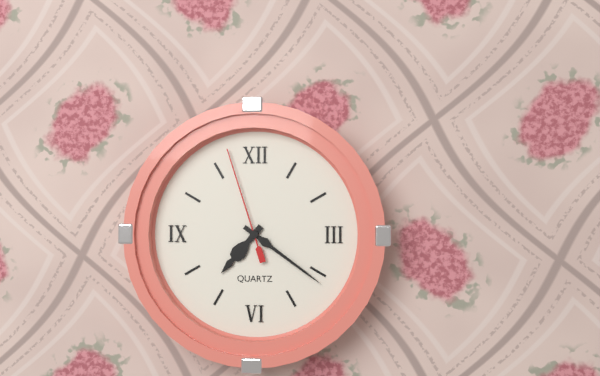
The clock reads h=7 m=21 s=57
